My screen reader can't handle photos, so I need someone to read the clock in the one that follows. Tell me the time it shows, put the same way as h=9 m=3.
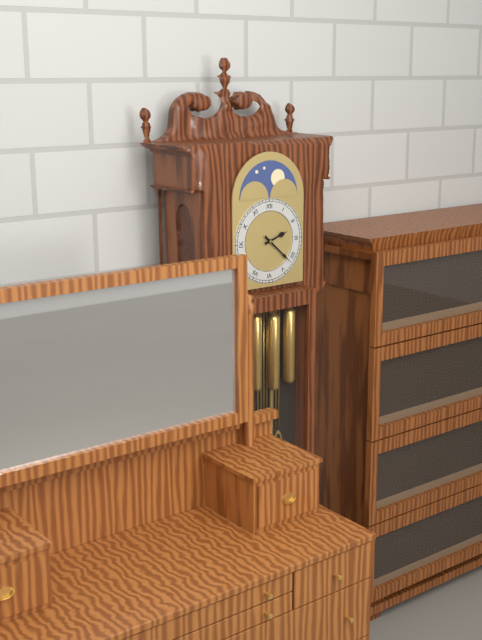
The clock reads h=2 m=22
